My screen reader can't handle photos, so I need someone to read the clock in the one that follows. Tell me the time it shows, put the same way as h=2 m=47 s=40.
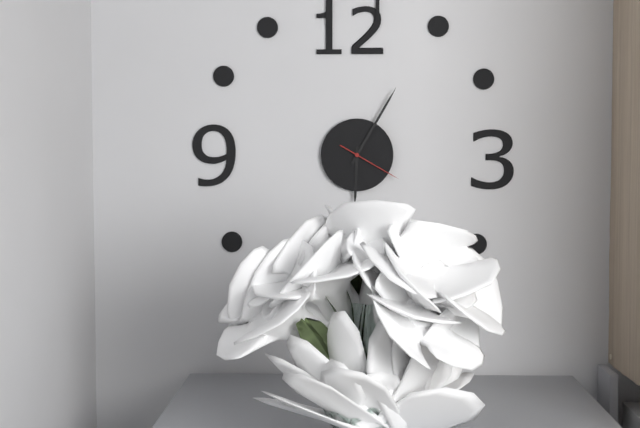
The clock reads h=6 m=5 s=20
